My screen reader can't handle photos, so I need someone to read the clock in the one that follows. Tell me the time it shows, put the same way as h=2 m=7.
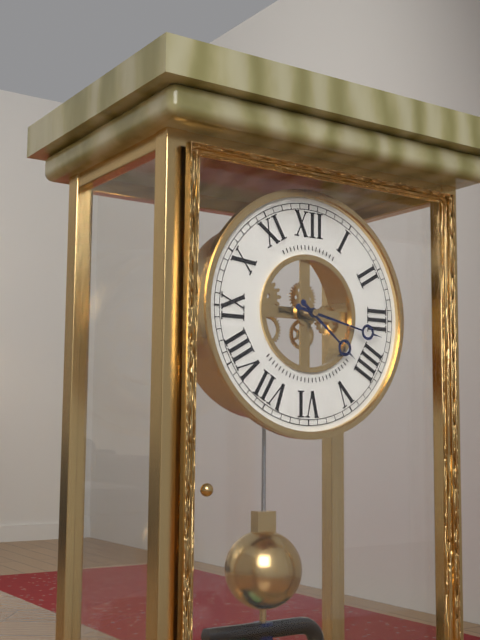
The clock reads h=4 m=17
